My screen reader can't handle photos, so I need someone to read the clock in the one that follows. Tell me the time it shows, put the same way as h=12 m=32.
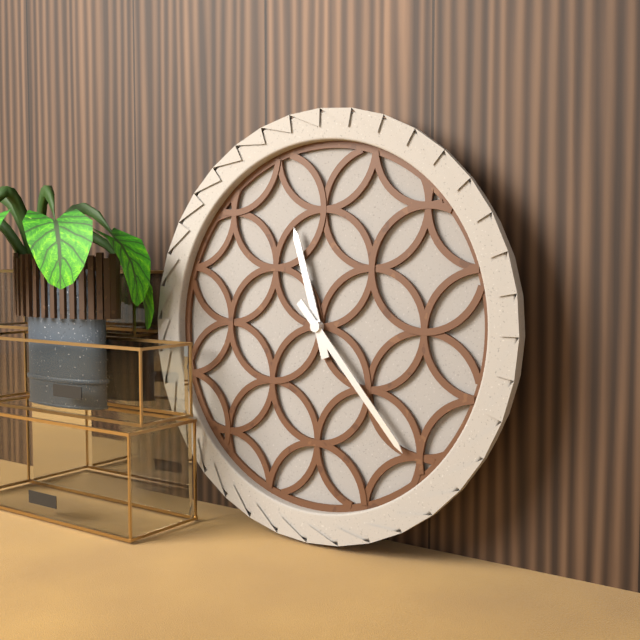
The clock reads h=11 m=23
